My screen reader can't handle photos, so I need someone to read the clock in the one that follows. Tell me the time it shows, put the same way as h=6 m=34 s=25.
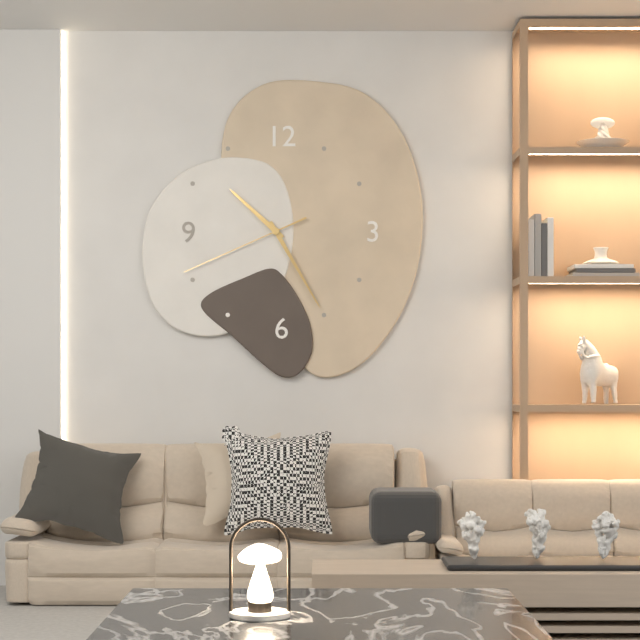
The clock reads h=10 m=25 s=41
